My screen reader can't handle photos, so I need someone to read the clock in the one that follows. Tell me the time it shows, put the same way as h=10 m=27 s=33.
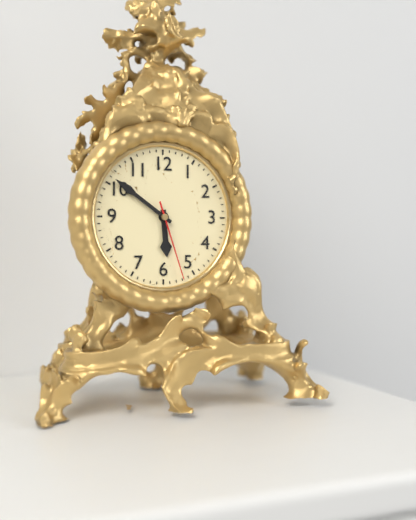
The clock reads h=5 m=51 s=27
